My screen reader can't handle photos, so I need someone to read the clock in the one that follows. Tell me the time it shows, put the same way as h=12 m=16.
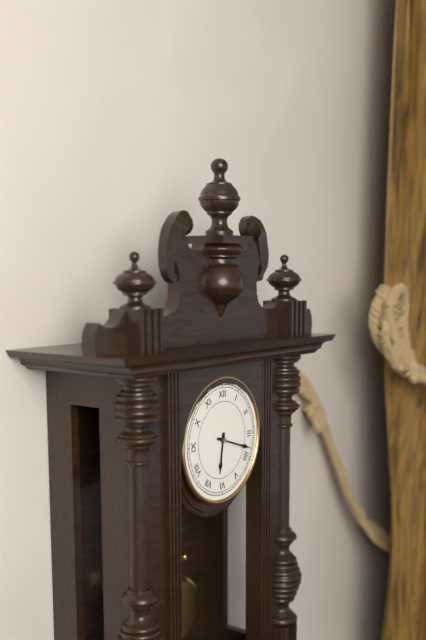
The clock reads h=6 m=18
